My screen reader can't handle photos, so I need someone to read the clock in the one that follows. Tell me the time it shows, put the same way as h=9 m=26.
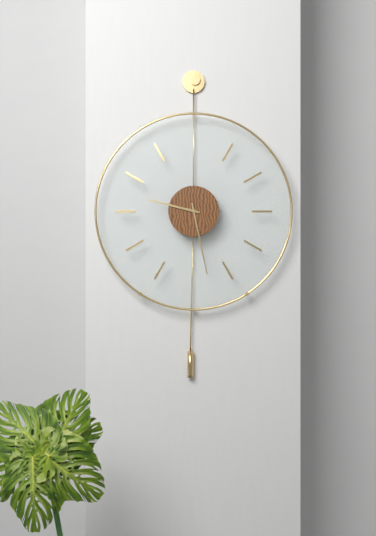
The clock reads h=9 m=28
